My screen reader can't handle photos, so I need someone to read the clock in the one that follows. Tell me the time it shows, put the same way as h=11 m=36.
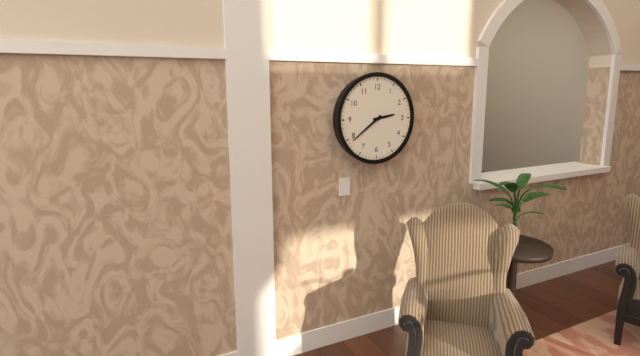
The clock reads h=2 m=39
